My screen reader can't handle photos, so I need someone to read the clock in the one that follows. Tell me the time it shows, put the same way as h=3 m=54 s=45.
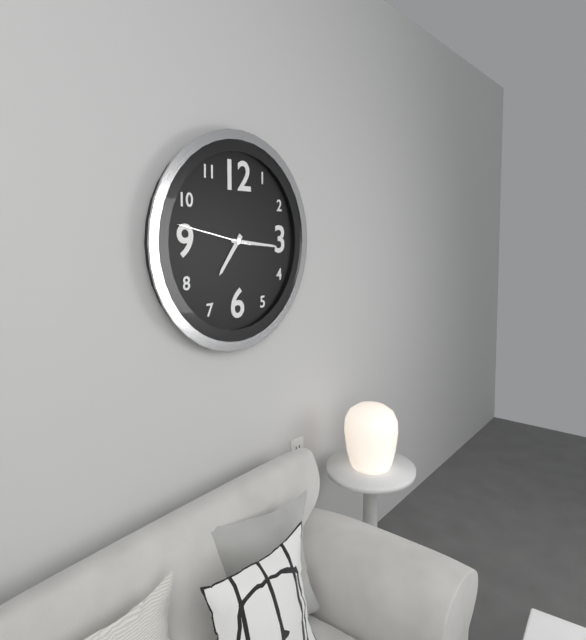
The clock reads h=7 m=16 s=47
